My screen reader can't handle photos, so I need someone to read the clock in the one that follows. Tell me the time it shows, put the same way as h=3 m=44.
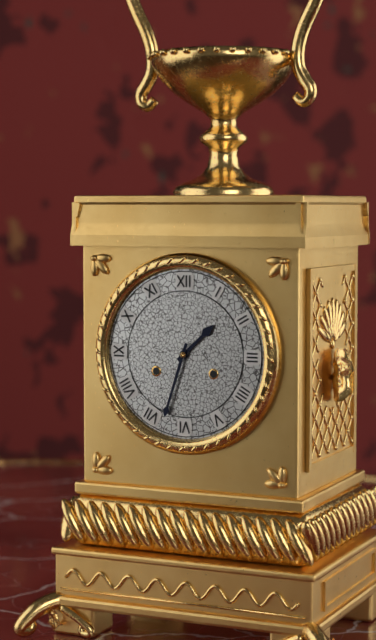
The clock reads h=1 m=33
